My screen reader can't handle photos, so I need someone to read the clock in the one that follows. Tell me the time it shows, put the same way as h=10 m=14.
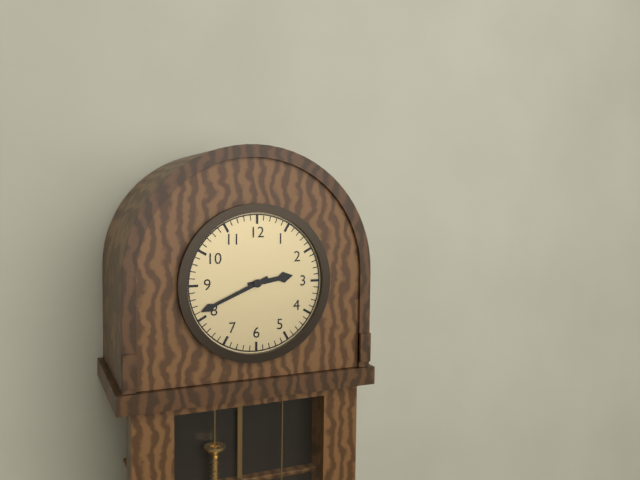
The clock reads h=2 m=41
